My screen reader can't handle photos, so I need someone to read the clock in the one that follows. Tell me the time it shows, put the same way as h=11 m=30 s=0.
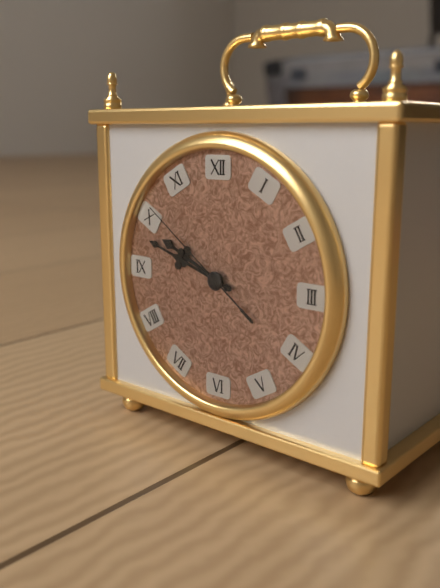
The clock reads h=9 m=48 s=51
